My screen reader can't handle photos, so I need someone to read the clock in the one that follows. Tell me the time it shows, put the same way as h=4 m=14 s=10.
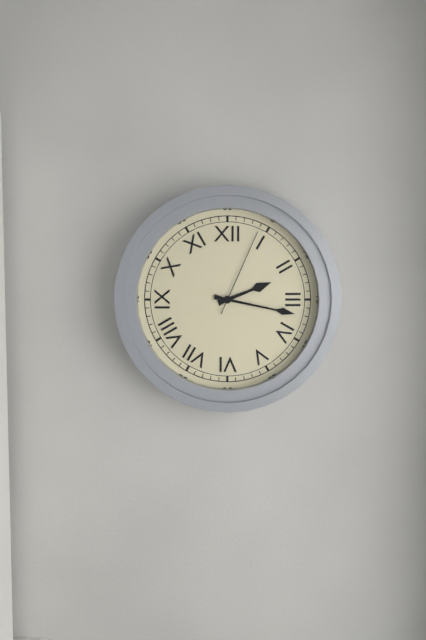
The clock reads h=2 m=17 s=4
